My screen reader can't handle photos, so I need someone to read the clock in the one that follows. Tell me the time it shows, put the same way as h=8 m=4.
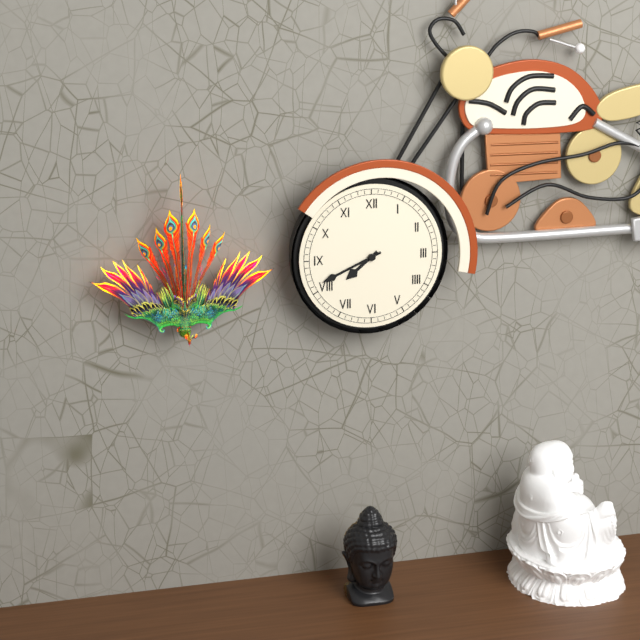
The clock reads h=7 m=41
